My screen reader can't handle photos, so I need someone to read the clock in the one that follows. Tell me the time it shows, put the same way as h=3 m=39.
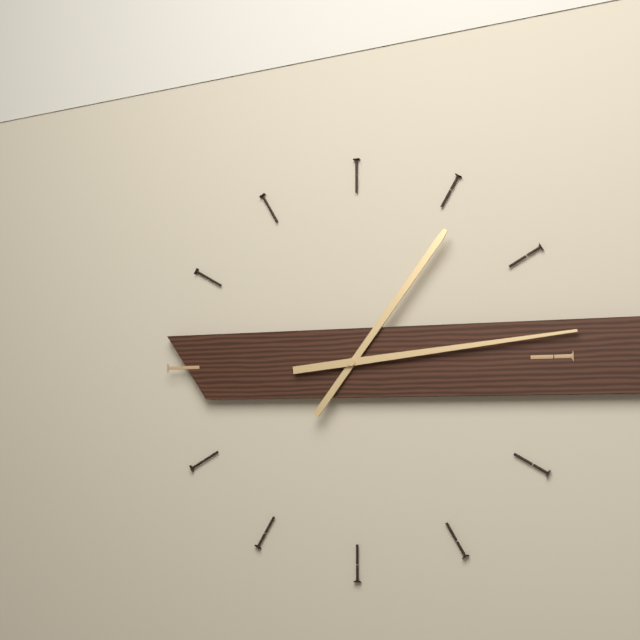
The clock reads h=1 m=14
